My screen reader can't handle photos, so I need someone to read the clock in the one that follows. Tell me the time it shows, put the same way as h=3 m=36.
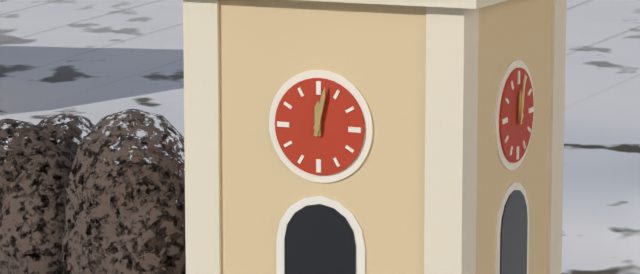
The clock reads h=12 m=2
